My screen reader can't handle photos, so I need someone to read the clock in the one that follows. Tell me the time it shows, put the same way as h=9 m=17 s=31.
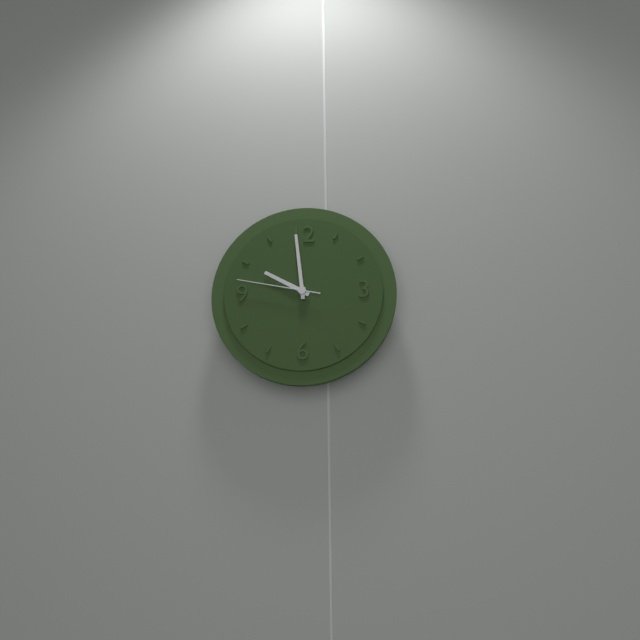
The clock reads h=9 m=59 s=47
